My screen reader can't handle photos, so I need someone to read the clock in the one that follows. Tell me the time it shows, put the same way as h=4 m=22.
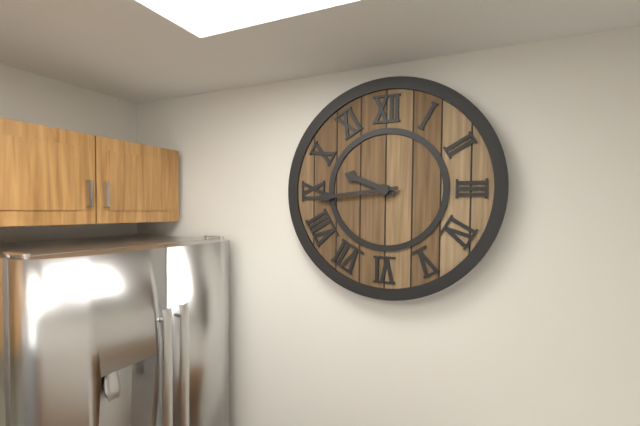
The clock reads h=9 m=44
